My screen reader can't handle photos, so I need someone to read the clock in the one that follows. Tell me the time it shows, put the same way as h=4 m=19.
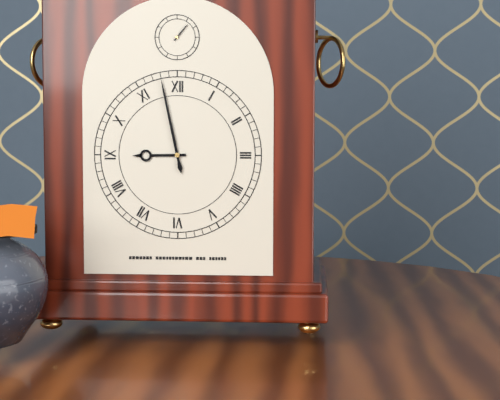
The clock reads h=8 m=58
